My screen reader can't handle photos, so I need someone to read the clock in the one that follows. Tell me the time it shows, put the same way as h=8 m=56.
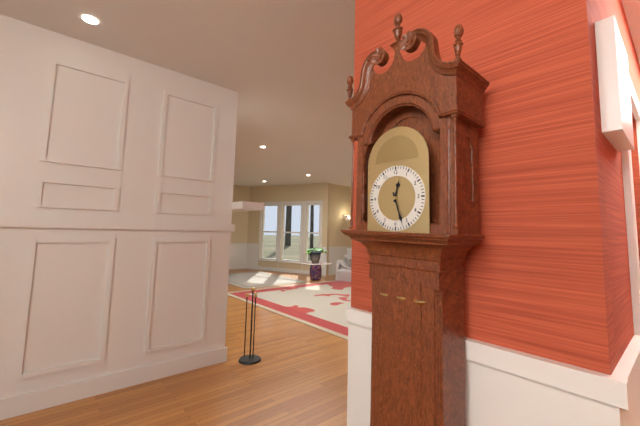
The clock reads h=12 m=27
